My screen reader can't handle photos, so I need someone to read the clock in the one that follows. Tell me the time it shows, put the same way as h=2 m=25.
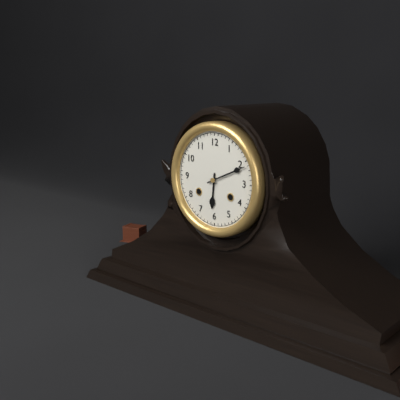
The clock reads h=6 m=11
